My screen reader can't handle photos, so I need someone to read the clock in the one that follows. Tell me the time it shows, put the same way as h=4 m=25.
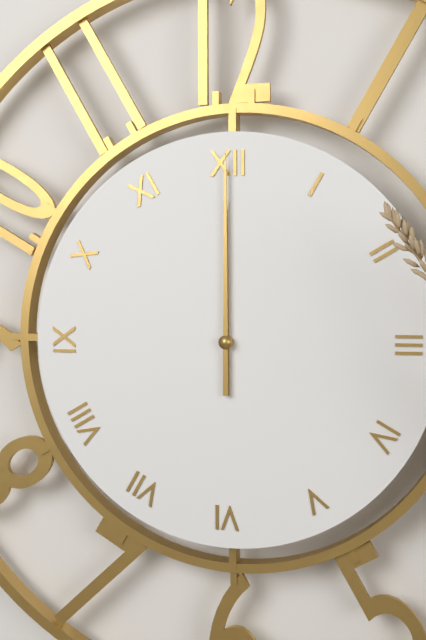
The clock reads h=12 m=0
